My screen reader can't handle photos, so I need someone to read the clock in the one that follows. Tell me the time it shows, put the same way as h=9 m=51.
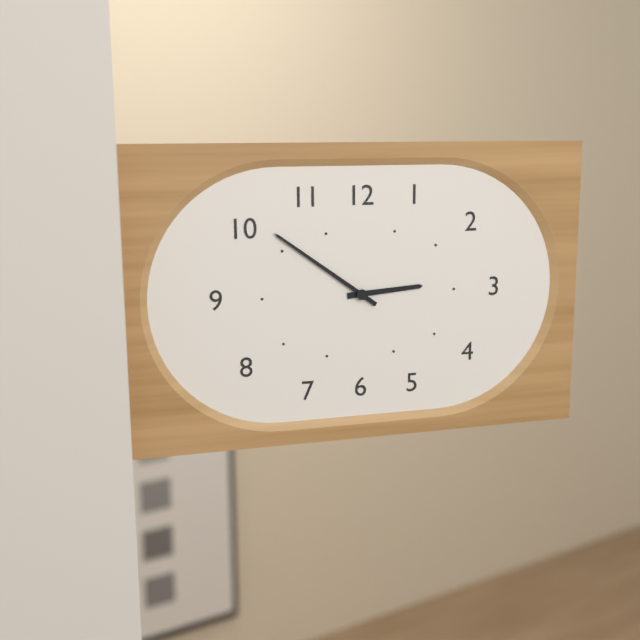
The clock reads h=2 m=51
